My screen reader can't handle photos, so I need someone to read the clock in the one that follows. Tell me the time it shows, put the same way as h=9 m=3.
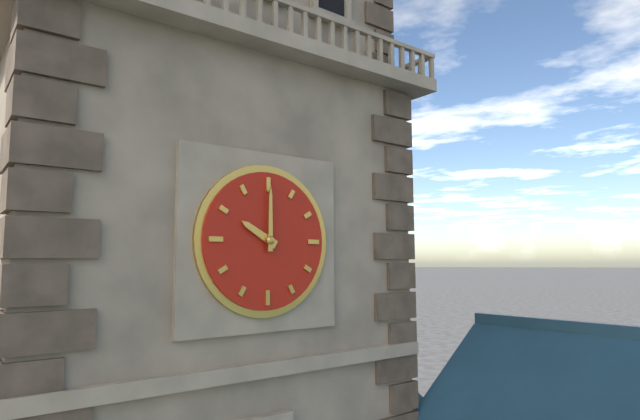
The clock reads h=10 m=0
